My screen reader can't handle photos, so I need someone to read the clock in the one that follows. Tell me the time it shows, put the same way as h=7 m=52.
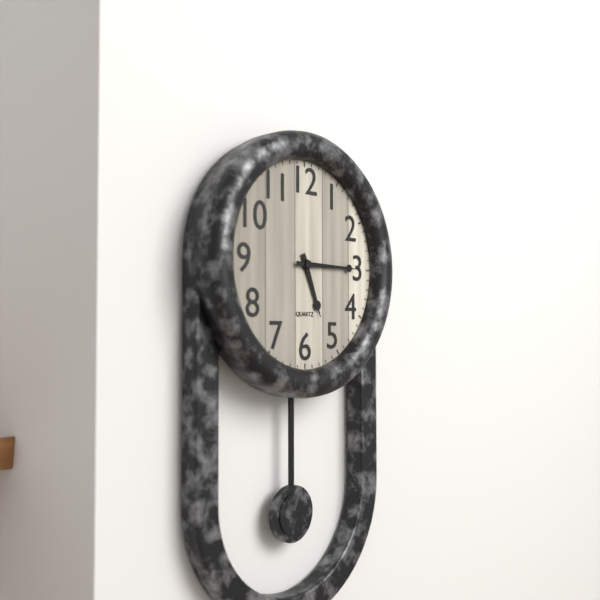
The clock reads h=5 m=15
